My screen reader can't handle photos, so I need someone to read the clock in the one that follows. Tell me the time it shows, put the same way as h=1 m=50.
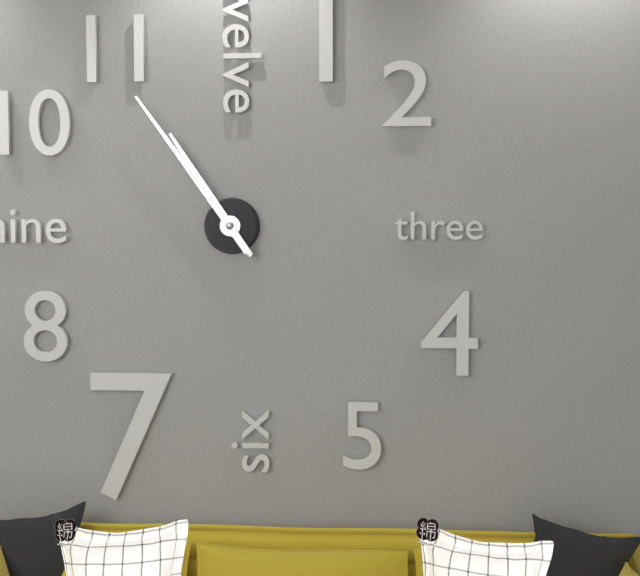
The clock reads h=10 m=54
